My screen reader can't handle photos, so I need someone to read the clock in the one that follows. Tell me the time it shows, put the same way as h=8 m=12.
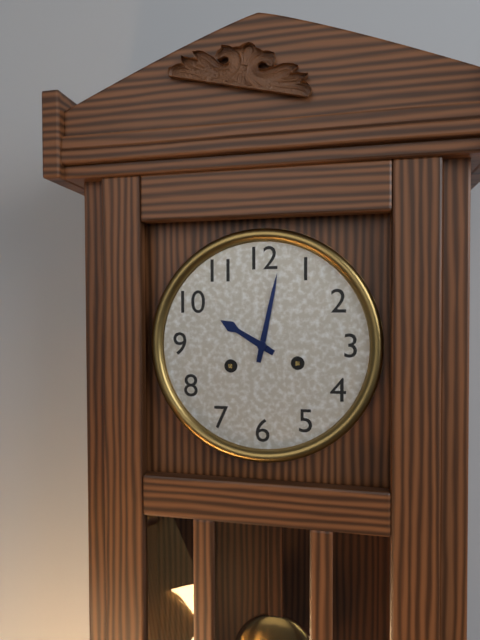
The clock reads h=10 m=2
